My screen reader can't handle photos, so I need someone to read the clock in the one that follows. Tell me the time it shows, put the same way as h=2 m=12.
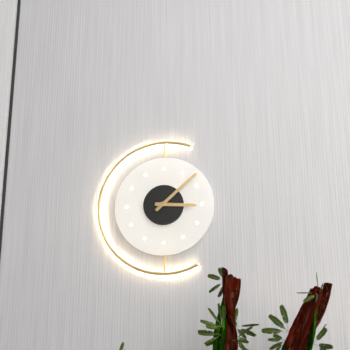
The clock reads h=3 m=8
